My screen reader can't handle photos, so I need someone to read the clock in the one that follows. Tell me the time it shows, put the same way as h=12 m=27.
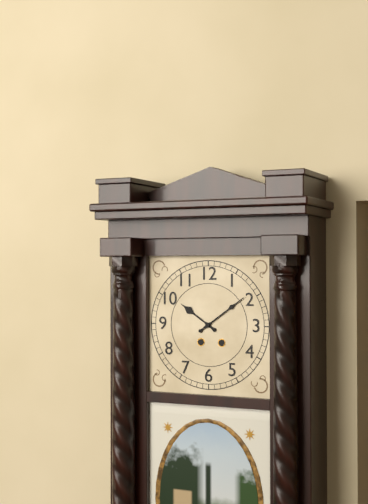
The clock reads h=10 m=9
